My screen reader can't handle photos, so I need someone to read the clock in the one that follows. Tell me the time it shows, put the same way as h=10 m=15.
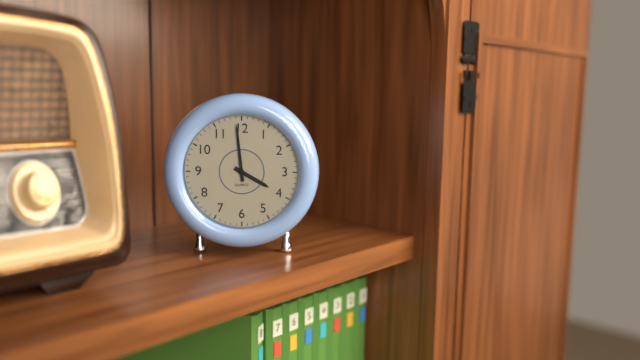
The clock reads h=3 m=59
